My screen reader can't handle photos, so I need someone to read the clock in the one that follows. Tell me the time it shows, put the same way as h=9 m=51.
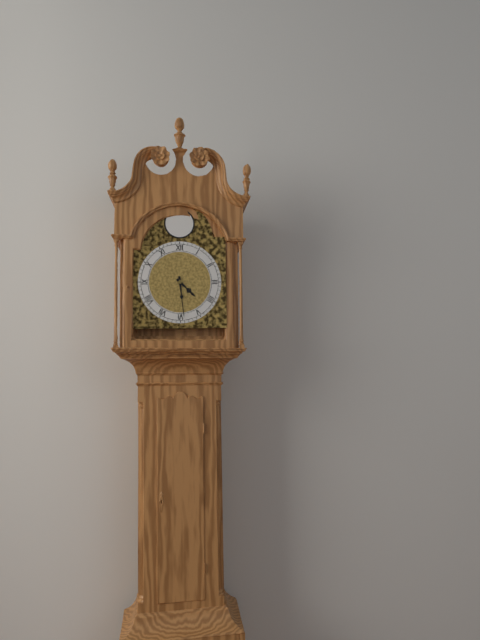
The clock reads h=4 m=29
